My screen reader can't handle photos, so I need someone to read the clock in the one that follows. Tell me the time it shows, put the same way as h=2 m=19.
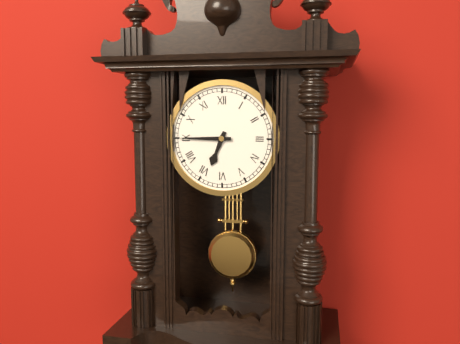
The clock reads h=6 m=45
